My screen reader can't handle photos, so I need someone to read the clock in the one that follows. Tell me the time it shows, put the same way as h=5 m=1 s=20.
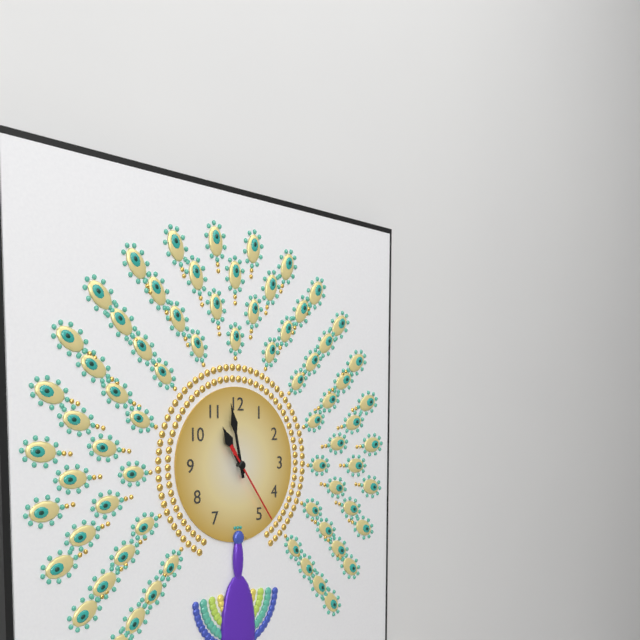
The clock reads h=10 m=58 s=24
